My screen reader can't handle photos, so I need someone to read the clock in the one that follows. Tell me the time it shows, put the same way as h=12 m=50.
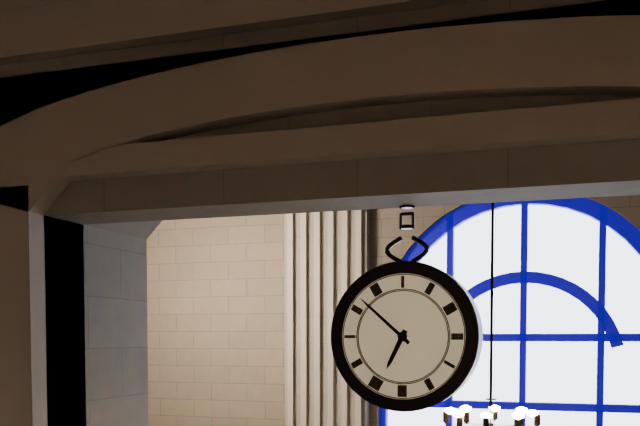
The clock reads h=6 m=52
